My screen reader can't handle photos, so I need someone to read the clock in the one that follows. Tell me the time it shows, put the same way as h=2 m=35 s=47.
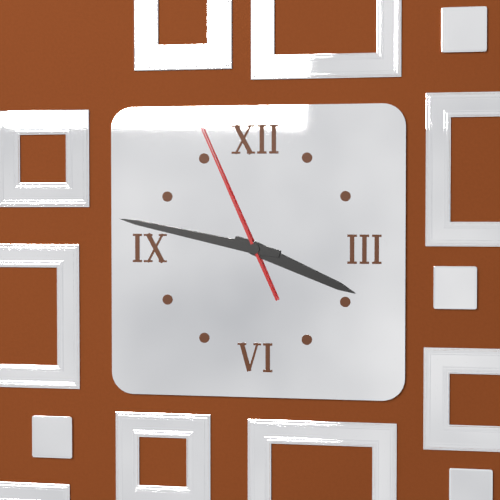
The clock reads h=3 m=47 s=56
